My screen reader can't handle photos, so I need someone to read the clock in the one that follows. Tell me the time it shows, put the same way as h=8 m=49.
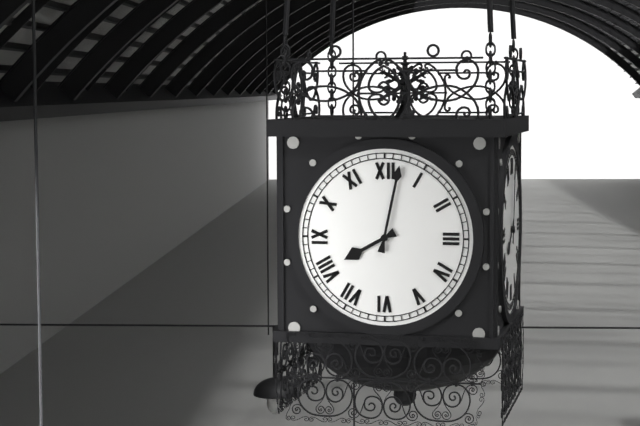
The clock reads h=8 m=2
